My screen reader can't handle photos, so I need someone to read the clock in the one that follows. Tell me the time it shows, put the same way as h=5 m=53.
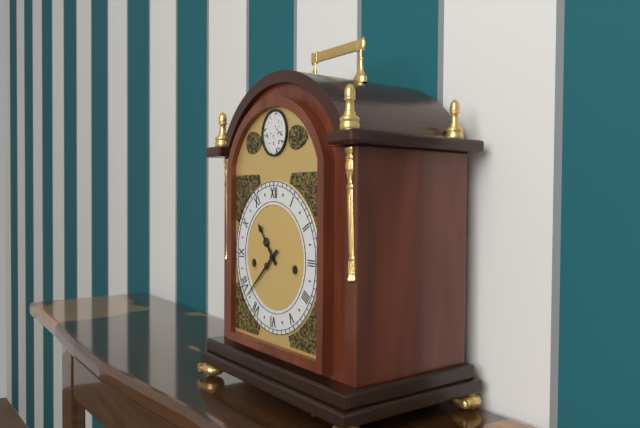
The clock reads h=10 m=38
